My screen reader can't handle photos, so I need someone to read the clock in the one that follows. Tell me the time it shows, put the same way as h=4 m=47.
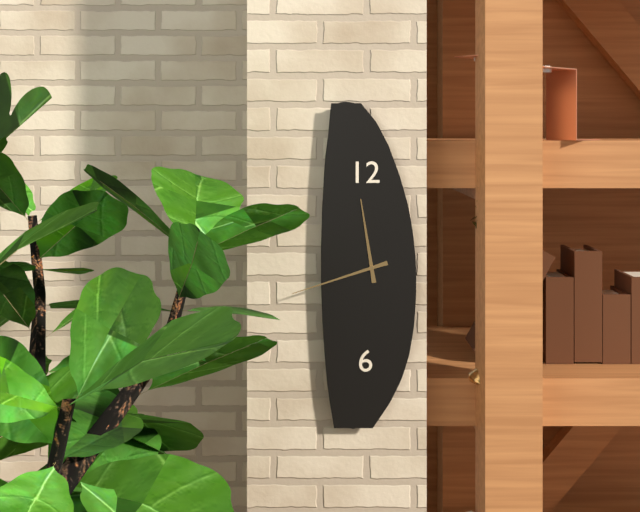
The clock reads h=11 m=42
